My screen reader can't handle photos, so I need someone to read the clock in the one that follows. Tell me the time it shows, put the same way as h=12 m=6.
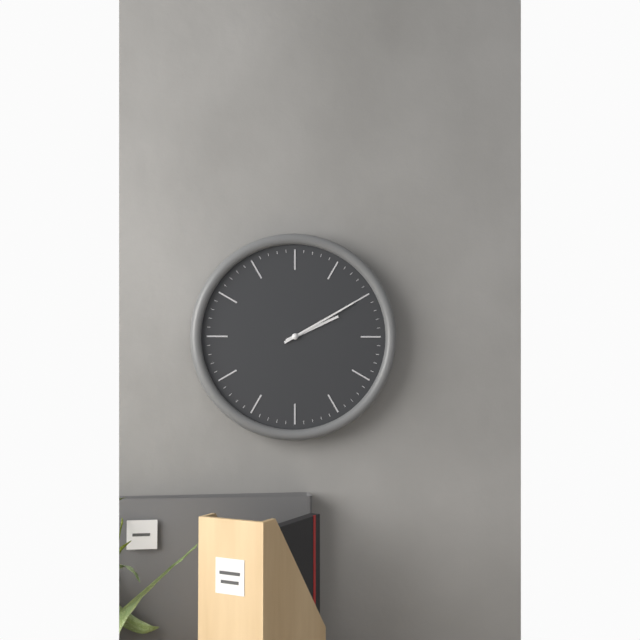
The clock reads h=2 m=10
